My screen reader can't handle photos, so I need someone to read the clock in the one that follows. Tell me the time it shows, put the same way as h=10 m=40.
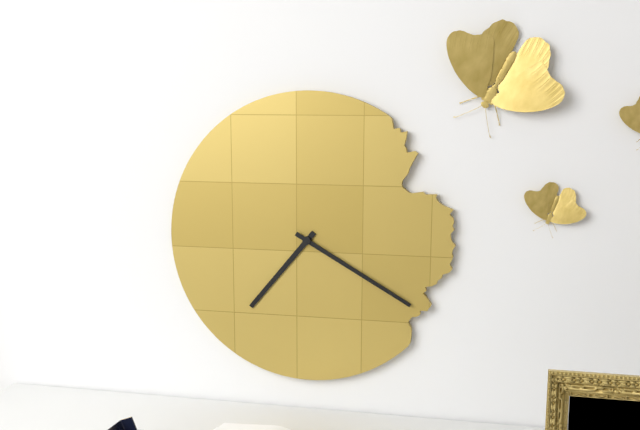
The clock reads h=7 m=20
